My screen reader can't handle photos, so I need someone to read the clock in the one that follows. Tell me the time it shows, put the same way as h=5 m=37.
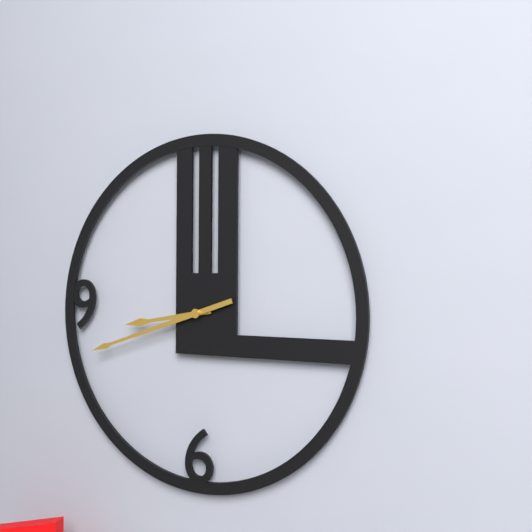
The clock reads h=8 m=42
